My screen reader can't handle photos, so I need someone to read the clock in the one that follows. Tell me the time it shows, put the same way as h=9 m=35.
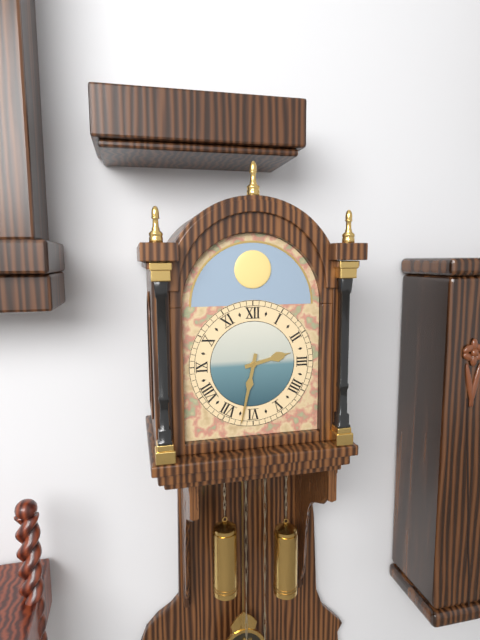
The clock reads h=2 m=32
